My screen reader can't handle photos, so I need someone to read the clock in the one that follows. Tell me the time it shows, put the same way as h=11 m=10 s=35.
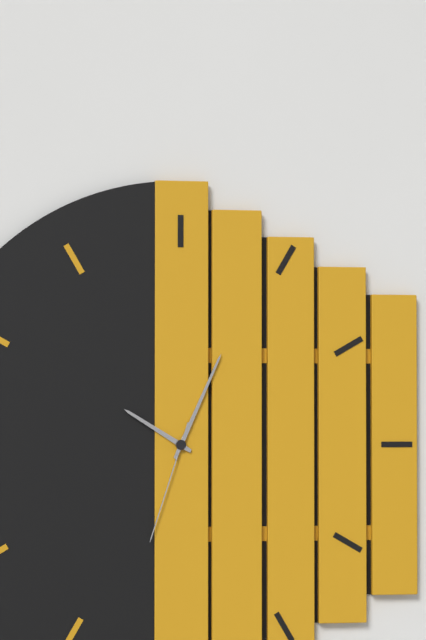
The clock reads h=10 m=4 s=33
